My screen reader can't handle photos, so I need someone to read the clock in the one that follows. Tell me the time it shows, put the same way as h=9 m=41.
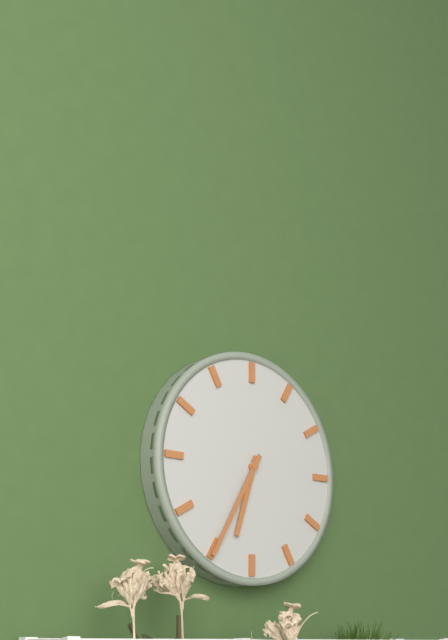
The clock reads h=6 m=35
